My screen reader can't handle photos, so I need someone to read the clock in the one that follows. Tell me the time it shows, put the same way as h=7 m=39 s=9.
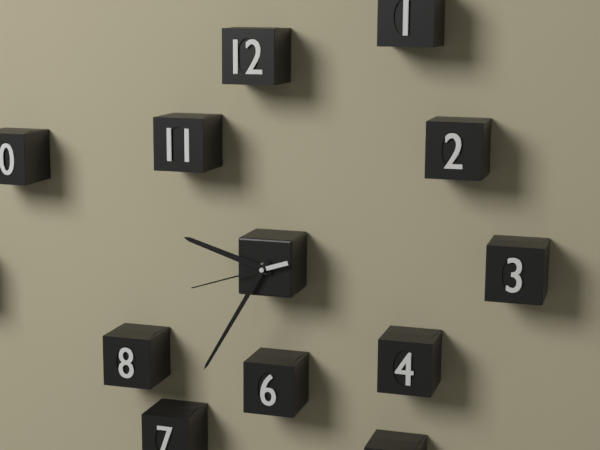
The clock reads h=9 m=35 s=42
